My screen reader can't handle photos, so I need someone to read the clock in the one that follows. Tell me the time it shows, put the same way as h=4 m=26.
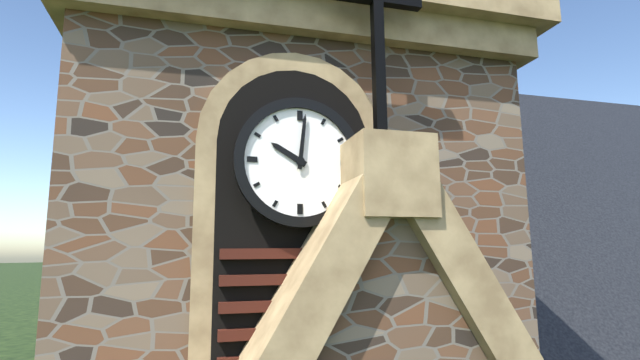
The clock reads h=10 m=1
